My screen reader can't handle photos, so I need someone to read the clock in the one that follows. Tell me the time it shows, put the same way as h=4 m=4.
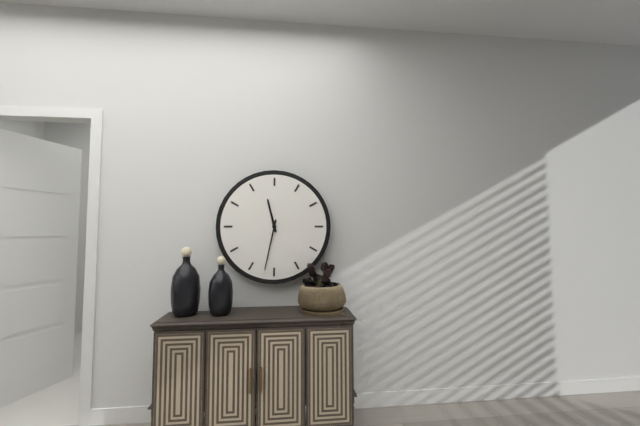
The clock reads h=11 m=32
